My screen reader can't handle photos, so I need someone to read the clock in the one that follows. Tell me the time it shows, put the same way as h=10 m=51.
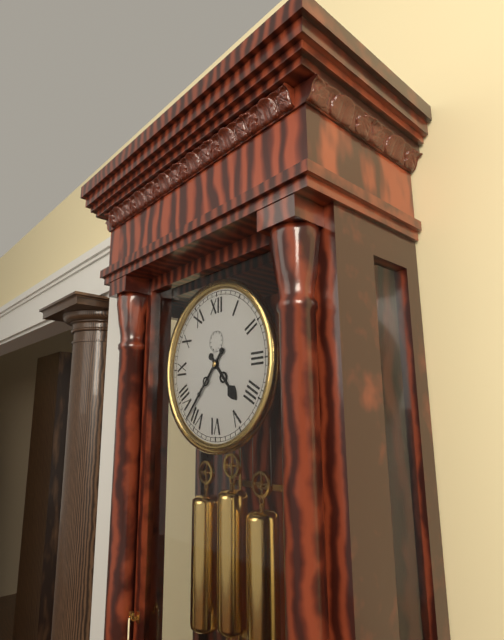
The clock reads h=4 m=37
